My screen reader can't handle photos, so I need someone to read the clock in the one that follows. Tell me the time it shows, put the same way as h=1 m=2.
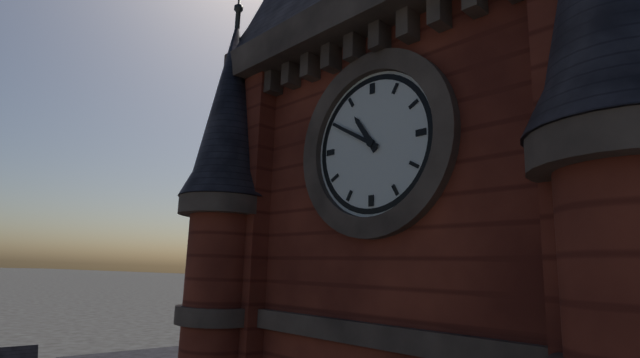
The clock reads h=10 m=50
